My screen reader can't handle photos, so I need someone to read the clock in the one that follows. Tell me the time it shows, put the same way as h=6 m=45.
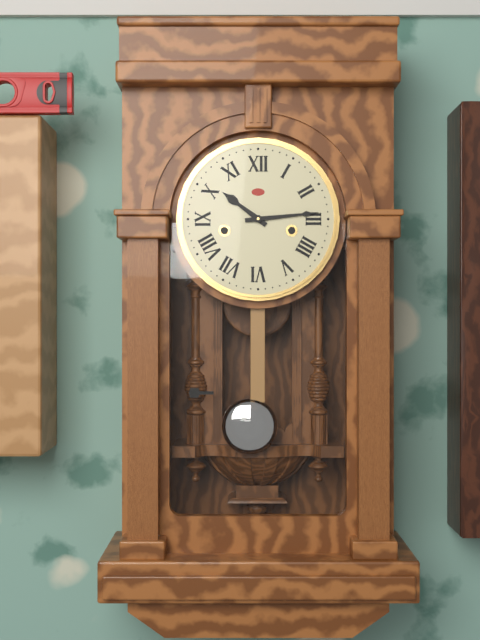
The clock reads h=10 m=14
